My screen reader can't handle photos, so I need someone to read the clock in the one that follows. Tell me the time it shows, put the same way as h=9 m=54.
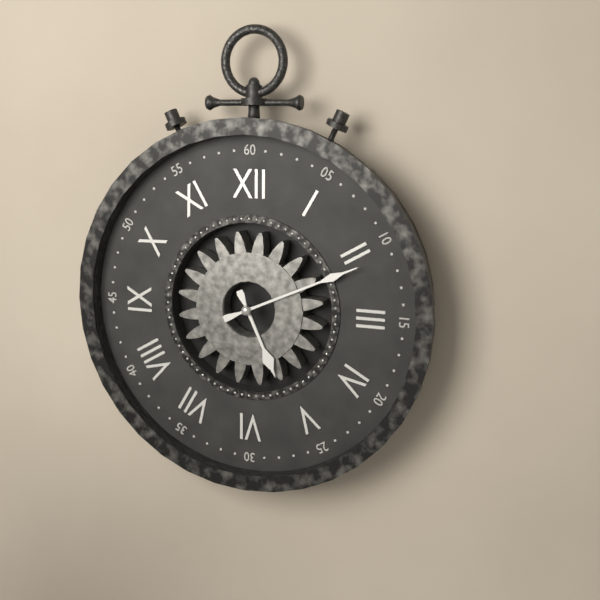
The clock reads h=5 m=11
